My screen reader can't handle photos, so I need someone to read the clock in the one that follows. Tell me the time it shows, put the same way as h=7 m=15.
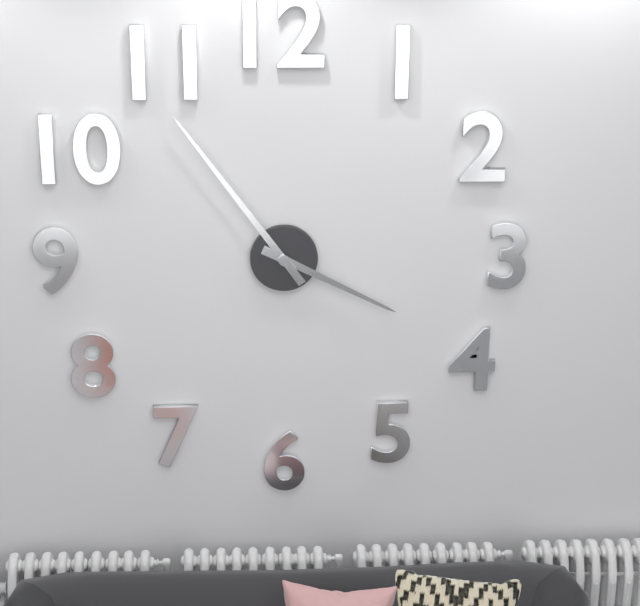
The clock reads h=3 m=54
